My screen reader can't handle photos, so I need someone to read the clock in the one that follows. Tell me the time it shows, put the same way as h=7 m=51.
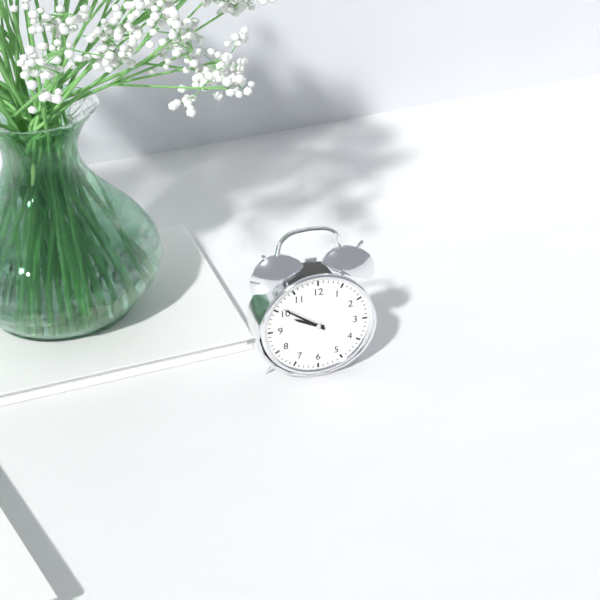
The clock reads h=9 m=51
